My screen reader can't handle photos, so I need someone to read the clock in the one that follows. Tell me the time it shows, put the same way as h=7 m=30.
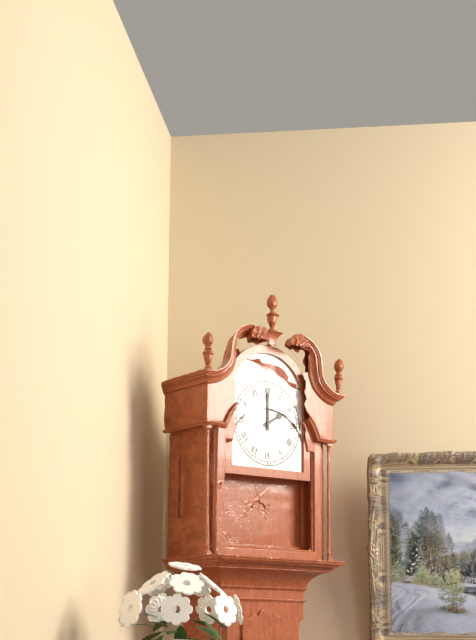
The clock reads h=2 m=0
